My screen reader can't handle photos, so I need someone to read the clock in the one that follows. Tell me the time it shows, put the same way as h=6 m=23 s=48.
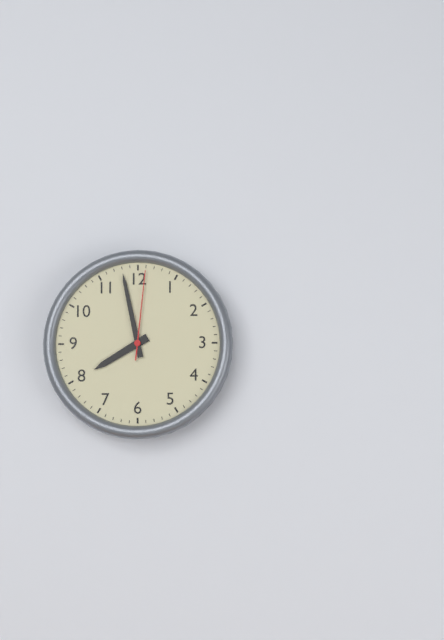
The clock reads h=7 m=58 s=1
